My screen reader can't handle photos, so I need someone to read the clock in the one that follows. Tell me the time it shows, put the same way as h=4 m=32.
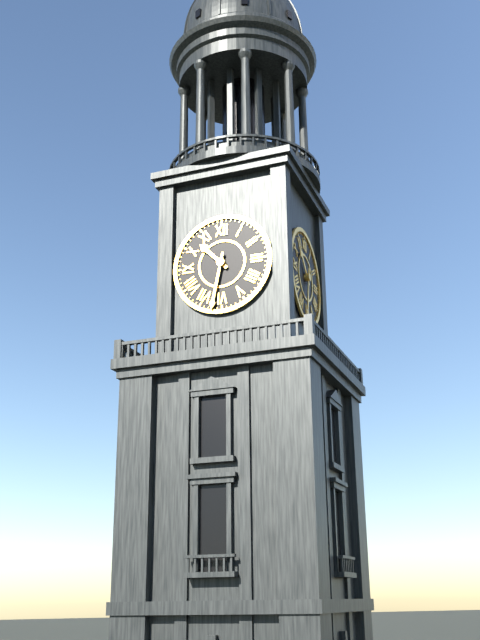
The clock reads h=10 m=32
